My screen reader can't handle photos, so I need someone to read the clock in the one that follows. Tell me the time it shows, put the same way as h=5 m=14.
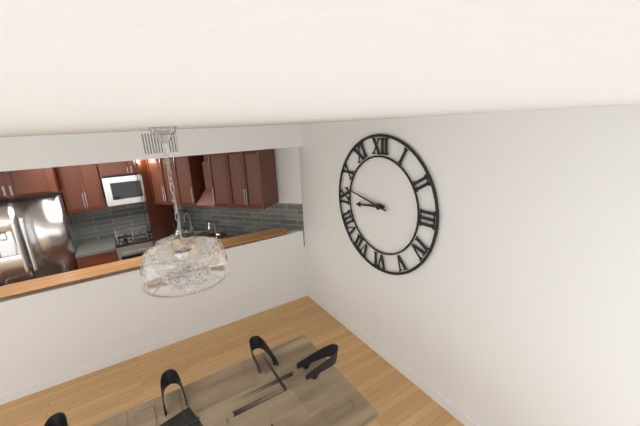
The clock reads h=8 m=47
